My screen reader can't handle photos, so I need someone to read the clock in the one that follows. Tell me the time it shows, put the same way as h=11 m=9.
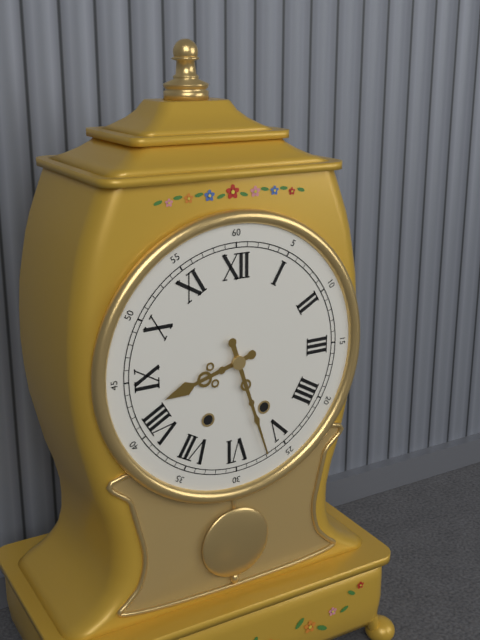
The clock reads h=8 m=27
